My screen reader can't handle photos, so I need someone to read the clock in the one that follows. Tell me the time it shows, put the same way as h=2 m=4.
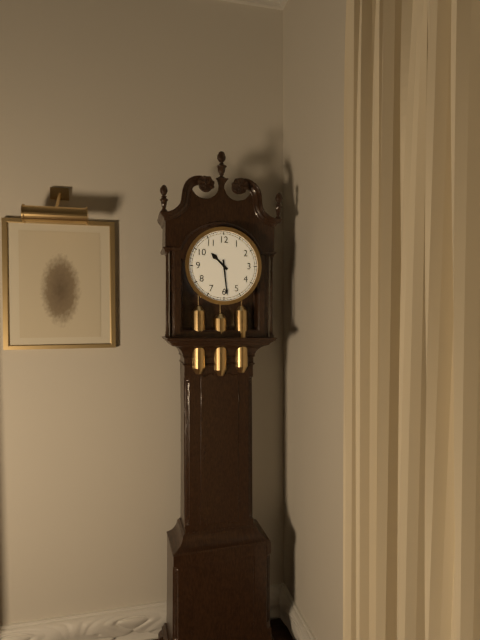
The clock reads h=10 m=29
